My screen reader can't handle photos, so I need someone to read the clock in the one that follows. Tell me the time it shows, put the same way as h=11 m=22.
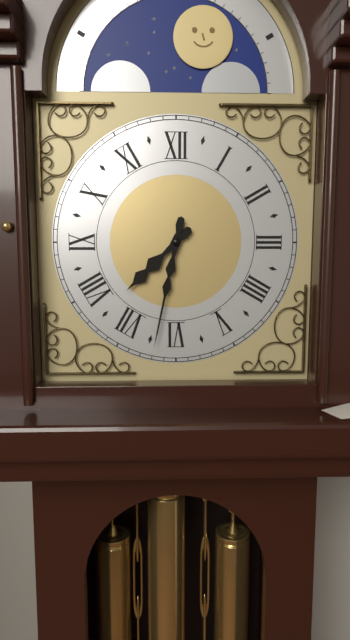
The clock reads h=7 m=32
